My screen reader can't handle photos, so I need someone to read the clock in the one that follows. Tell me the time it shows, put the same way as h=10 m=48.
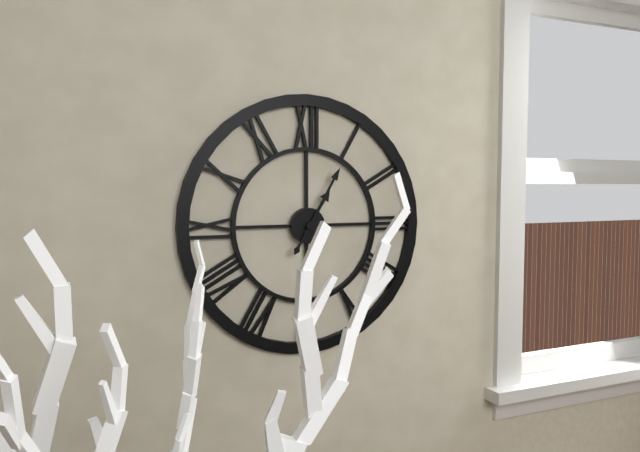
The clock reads h=1 m=5
